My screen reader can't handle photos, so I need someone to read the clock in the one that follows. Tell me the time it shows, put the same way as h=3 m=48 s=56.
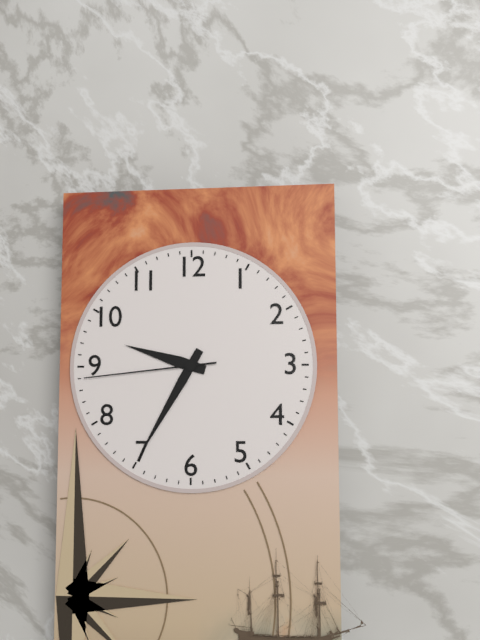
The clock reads h=9 m=35 s=44
